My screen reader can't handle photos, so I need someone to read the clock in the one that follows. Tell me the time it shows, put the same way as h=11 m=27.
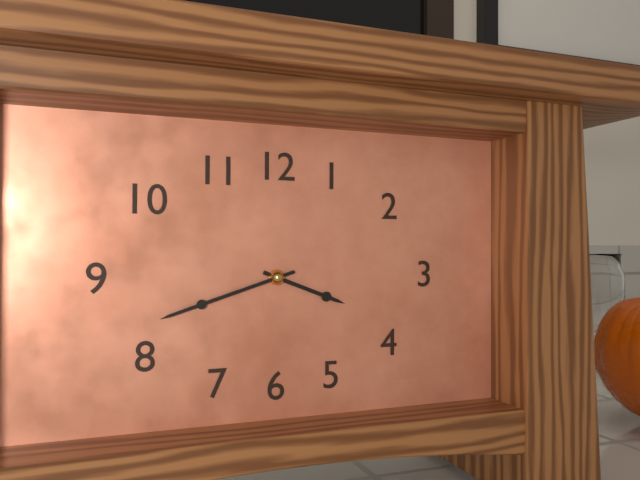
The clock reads h=3 m=42
